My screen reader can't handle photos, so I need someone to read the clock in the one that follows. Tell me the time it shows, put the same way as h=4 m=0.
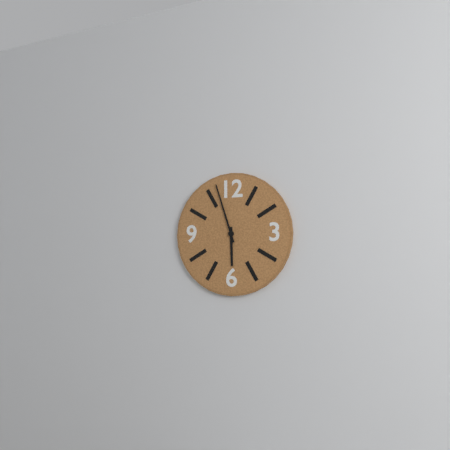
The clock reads h=5 m=57
